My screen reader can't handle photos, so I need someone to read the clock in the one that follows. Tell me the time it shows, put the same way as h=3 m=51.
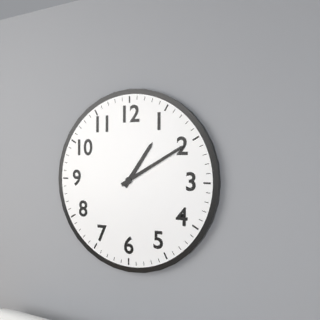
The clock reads h=1 m=10
